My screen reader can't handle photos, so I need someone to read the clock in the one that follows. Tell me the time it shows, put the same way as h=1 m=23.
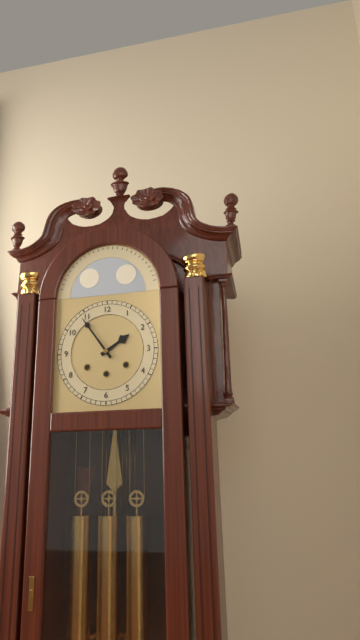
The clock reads h=1 m=54
